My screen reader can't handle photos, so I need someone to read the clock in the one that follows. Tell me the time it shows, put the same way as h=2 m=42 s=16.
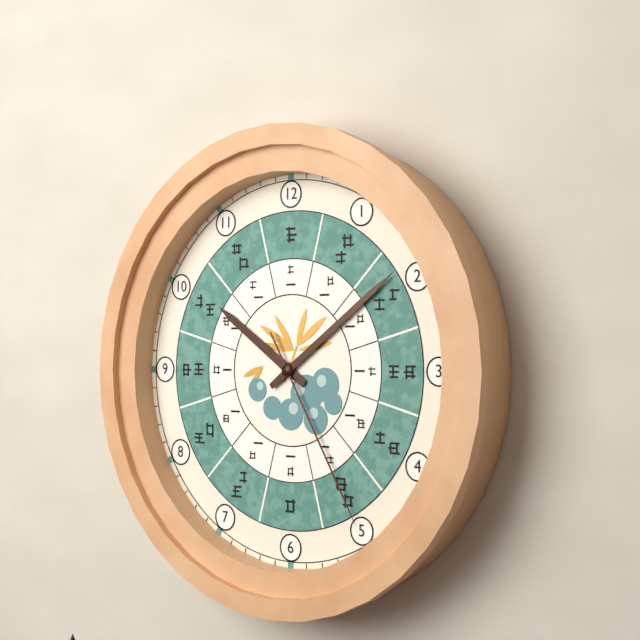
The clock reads h=10 m=9 s=25
